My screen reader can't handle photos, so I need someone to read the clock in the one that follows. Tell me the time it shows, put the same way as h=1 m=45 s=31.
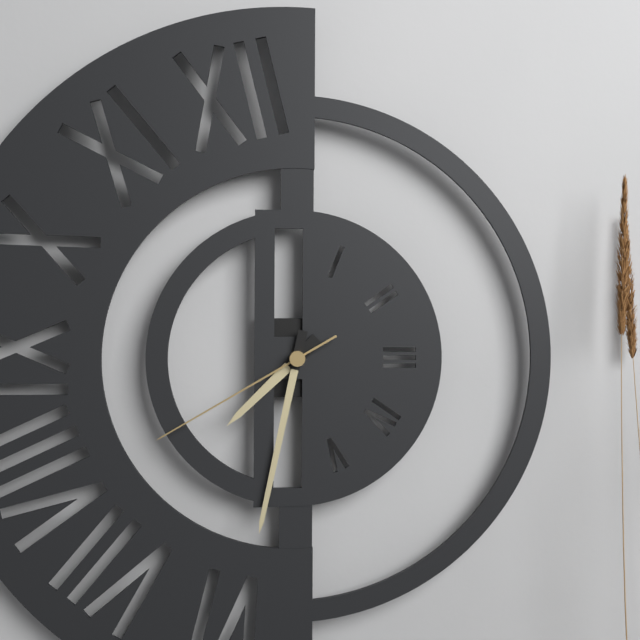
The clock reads h=7 m=32 s=40
